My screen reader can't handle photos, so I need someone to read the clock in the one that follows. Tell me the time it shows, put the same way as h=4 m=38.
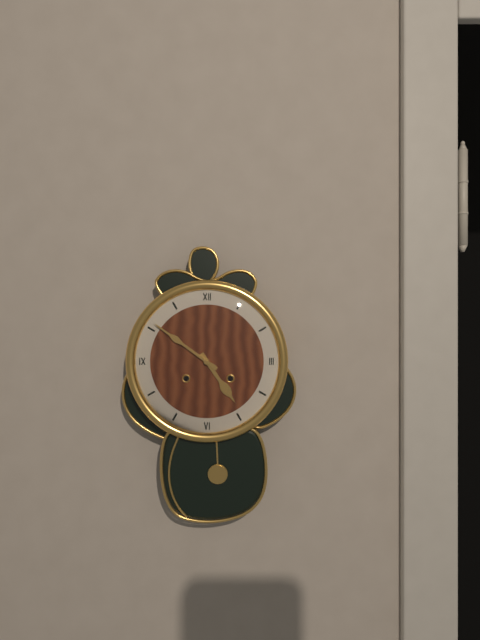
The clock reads h=4 m=51
